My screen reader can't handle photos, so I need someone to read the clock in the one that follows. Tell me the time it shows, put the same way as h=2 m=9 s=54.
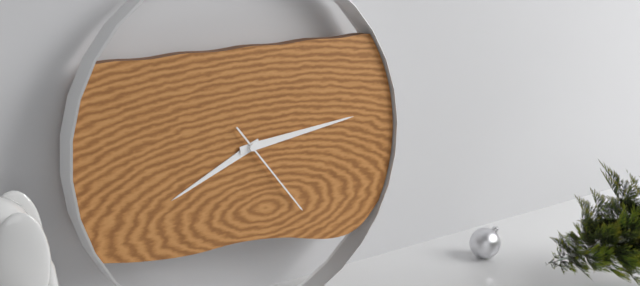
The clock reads h=8 m=14 s=24
